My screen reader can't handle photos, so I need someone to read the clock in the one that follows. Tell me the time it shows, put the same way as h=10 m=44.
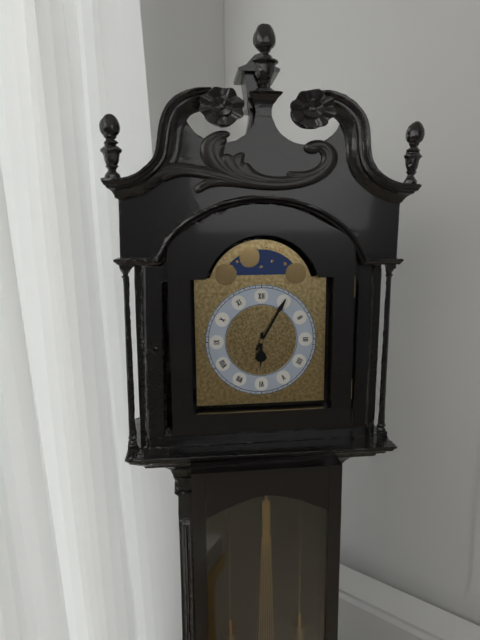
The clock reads h=6 m=5
